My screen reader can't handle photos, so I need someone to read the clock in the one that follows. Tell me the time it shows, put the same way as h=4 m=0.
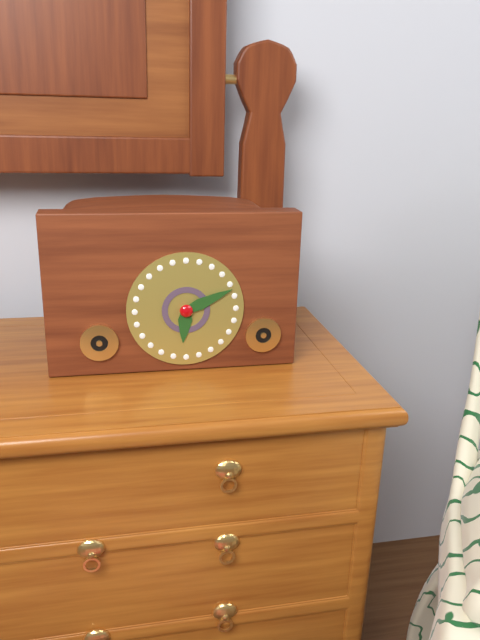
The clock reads h=6 m=11
